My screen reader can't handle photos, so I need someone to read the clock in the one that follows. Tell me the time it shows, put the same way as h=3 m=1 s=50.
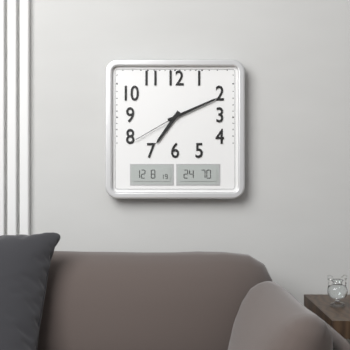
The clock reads h=7 m=11 s=40
